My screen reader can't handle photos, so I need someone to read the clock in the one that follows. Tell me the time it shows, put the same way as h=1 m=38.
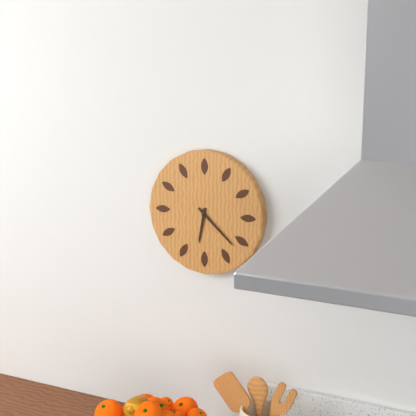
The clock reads h=6 m=22
